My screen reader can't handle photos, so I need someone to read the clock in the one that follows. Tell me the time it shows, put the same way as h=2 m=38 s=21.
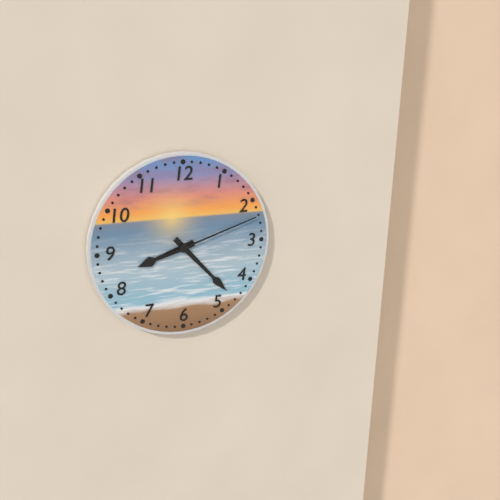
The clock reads h=8 m=23 s=12
